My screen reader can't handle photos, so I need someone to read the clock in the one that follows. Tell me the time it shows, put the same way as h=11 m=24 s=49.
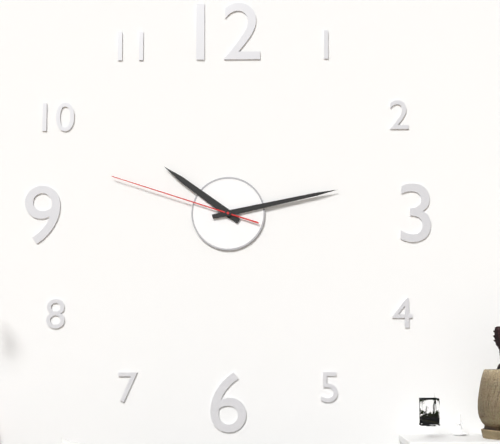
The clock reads h=10 m=13 s=48
